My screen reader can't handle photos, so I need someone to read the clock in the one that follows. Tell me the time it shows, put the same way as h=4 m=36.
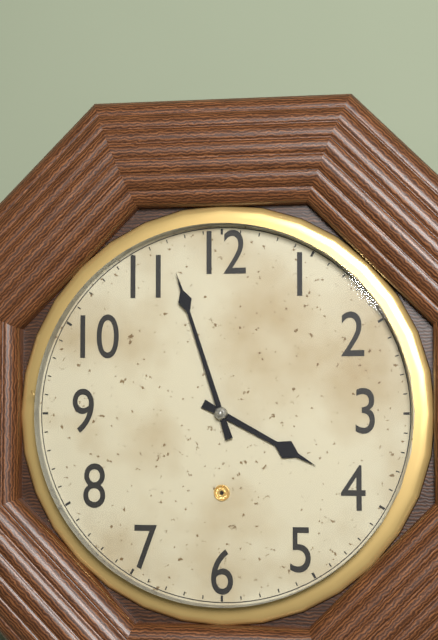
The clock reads h=3 m=57
